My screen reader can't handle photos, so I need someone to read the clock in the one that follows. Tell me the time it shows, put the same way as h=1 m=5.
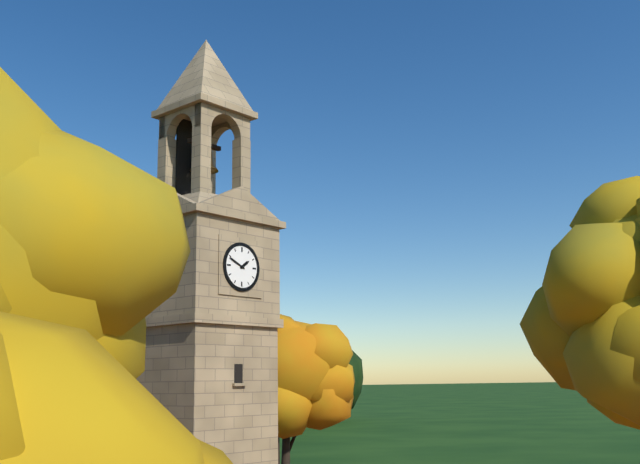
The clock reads h=1 m=49
